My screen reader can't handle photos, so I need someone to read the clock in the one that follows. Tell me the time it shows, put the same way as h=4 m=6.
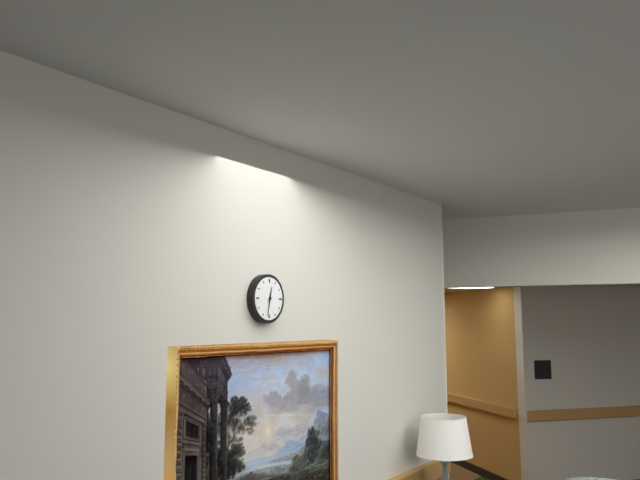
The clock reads h=12 m=32
